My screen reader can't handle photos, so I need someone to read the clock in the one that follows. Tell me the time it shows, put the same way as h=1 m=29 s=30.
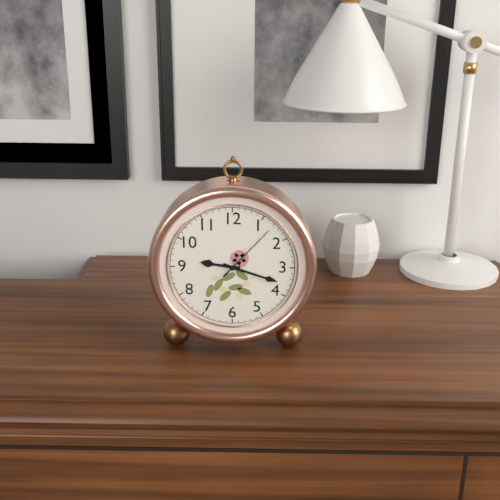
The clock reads h=9 m=18 s=7
